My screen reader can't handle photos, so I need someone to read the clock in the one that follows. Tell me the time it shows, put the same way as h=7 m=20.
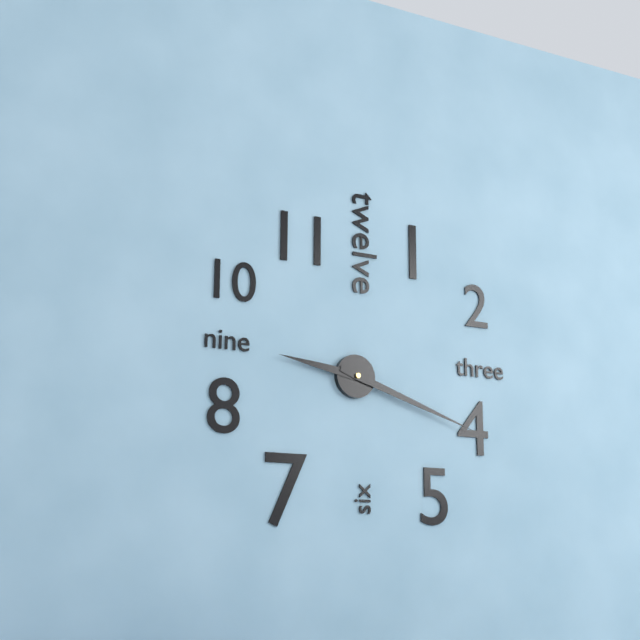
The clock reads h=9 m=18
